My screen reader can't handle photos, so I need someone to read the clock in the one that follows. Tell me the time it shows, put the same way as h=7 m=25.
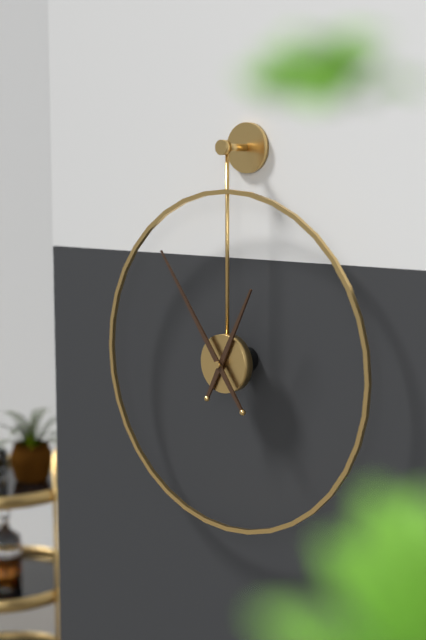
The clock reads h=12 m=54
